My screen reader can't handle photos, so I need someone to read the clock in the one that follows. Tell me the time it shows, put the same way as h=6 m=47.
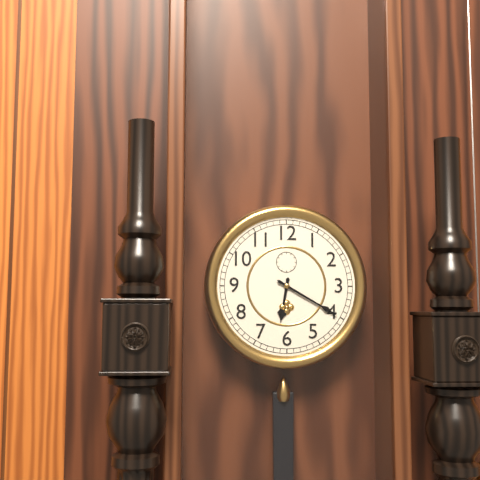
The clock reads h=6 m=20
